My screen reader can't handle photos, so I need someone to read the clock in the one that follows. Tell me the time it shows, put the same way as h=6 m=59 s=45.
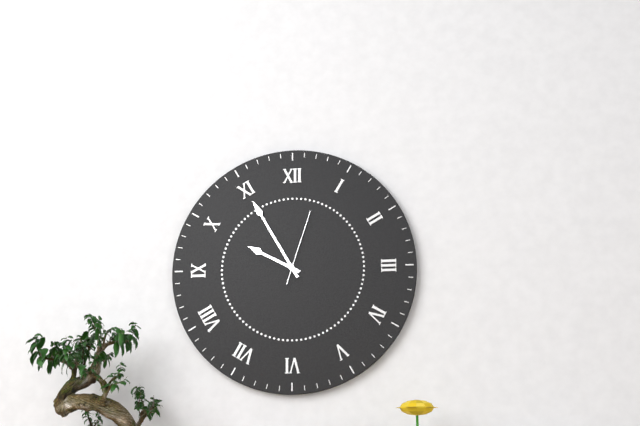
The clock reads h=9 m=55 s=3
